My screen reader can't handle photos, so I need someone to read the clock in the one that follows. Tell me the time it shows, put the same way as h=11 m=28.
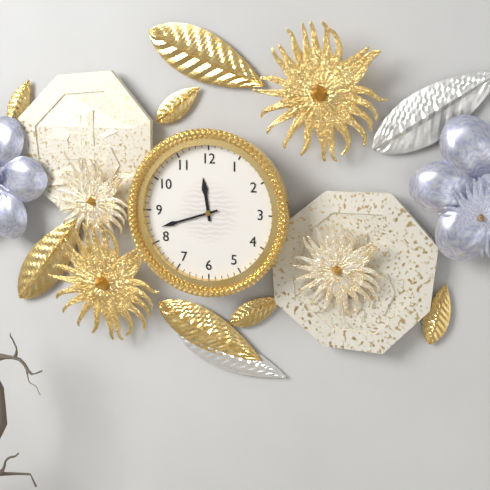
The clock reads h=11 m=42
